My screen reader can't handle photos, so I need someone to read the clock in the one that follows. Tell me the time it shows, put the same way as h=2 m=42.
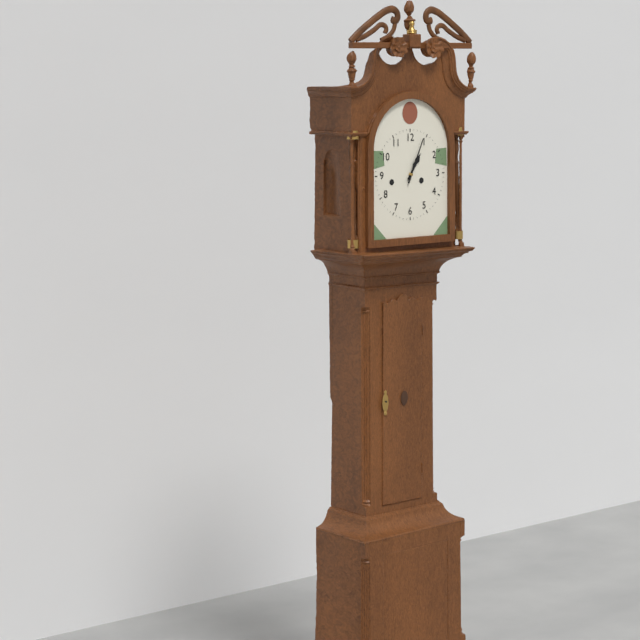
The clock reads h=1 m=4
